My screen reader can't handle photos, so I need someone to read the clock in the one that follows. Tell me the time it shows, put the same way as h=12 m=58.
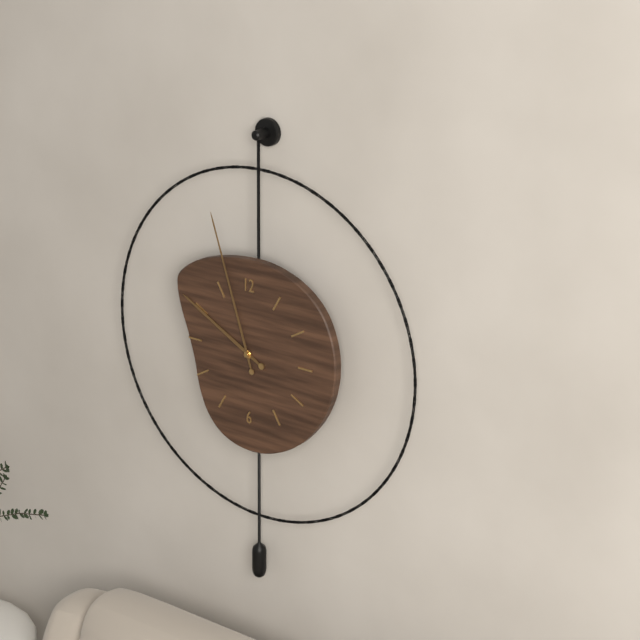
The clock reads h=9 m=57
